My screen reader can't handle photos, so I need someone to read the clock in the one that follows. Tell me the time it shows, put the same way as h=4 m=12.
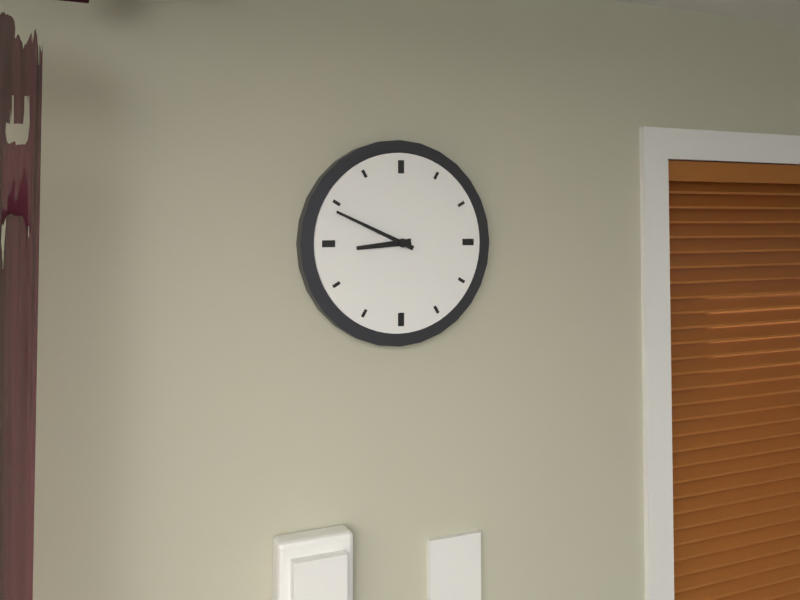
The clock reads h=8 m=49
